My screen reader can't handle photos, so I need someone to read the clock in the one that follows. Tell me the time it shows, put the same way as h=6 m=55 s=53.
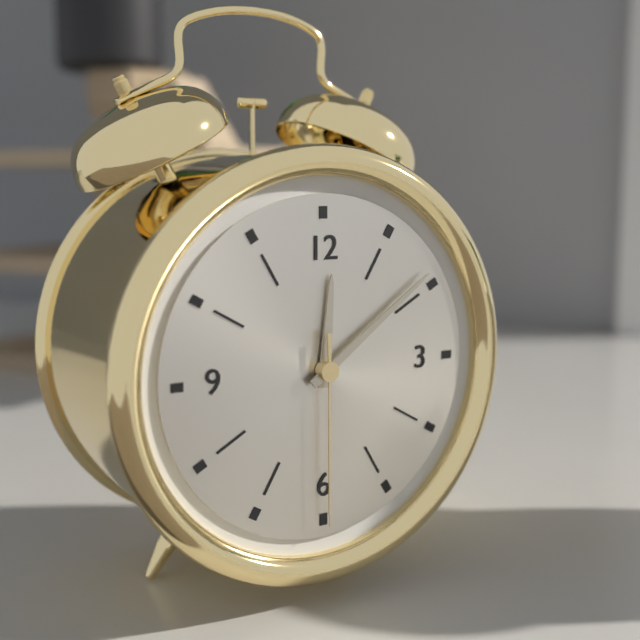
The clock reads h=12 m=9 s=30
